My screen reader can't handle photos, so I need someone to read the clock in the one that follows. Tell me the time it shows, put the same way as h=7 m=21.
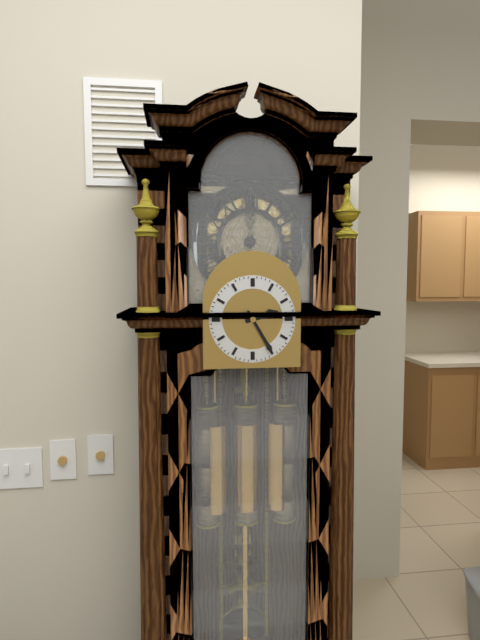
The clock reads h=2 m=25
